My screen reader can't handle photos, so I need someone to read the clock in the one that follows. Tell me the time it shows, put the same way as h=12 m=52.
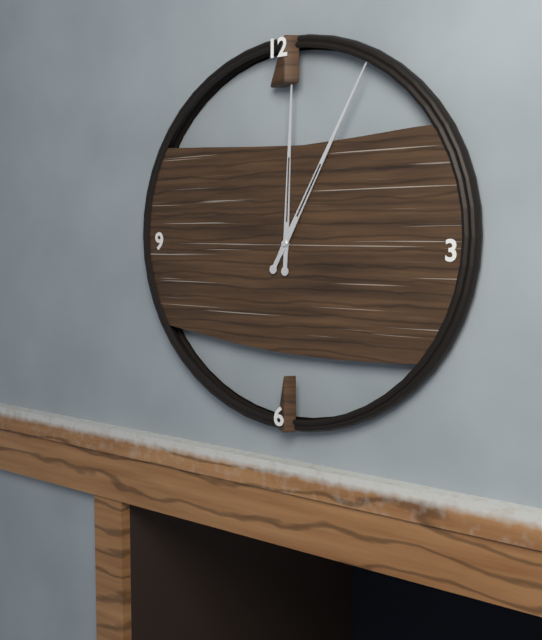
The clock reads h=12 m=5
